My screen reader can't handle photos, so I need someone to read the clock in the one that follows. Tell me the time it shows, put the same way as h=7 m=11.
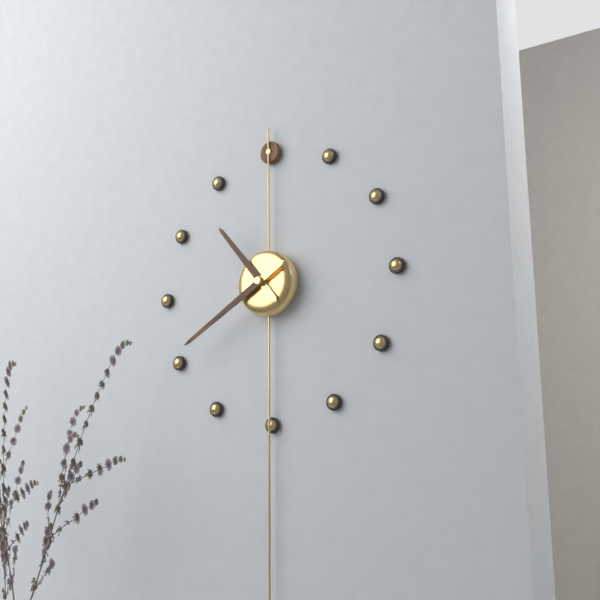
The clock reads h=10 m=40
